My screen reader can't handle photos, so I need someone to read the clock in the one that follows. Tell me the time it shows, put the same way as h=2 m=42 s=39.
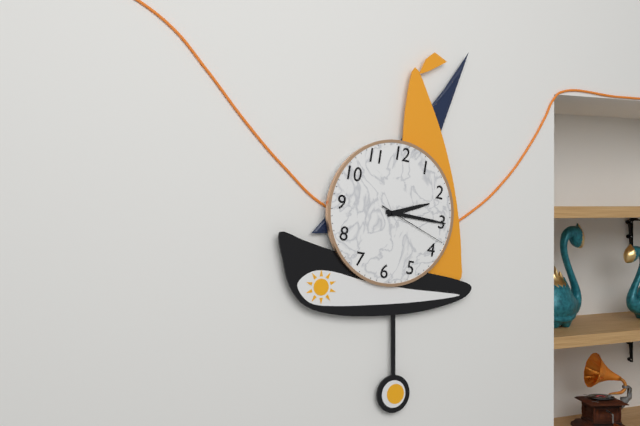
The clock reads h=2 m=15 s=18
